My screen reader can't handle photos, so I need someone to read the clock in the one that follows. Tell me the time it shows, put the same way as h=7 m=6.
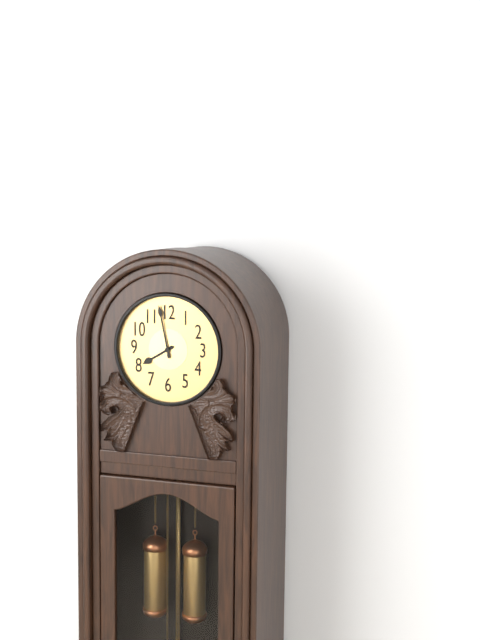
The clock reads h=7 m=58
